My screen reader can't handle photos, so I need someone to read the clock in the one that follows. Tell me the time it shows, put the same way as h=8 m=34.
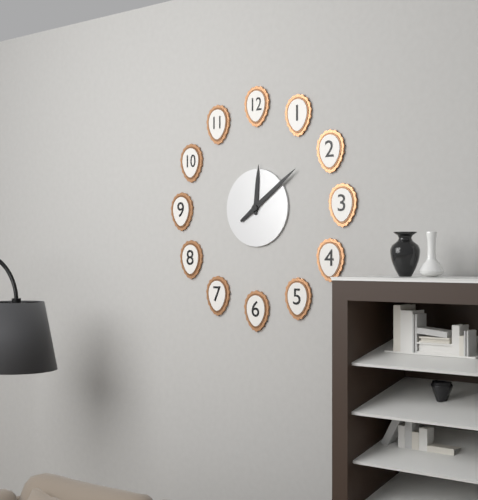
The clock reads h=12 m=9
